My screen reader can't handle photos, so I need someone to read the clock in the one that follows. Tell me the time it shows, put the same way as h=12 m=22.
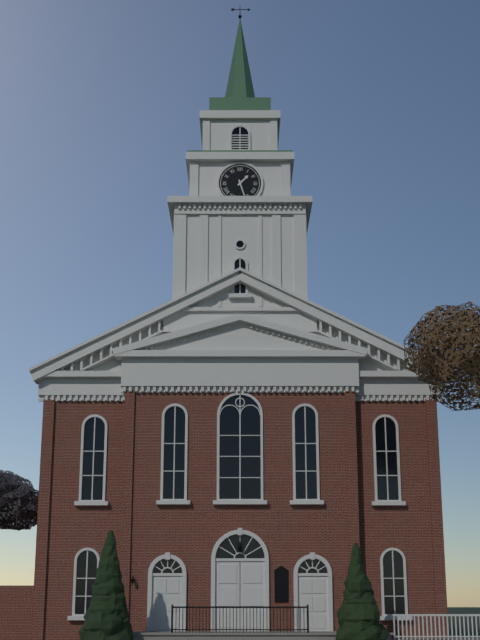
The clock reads h=1 m=27
